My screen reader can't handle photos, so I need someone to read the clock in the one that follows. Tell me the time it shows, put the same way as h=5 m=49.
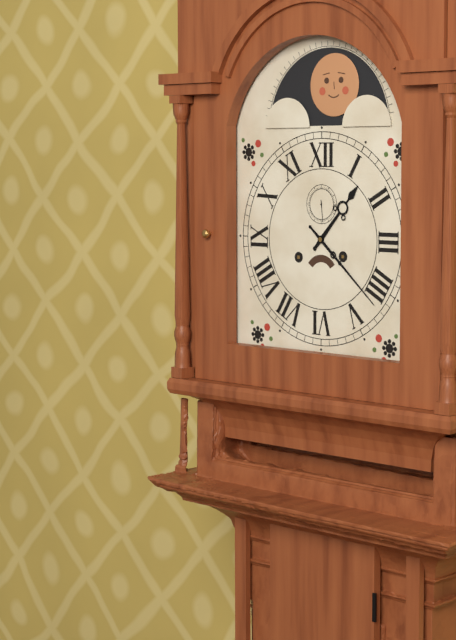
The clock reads h=1 m=22
